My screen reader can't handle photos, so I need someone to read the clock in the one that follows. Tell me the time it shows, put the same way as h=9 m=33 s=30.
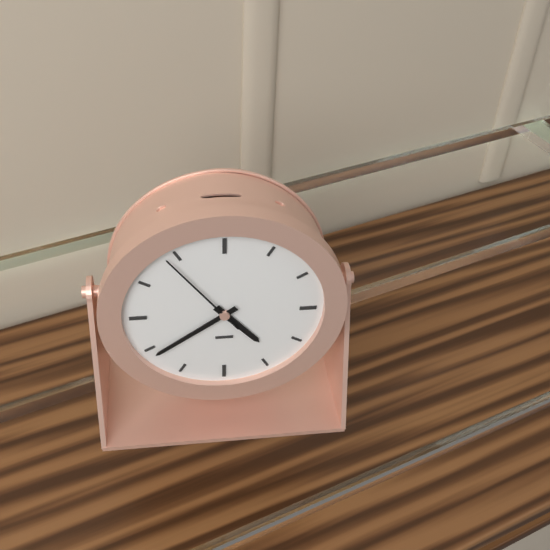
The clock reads h=4 m=39 s=54
